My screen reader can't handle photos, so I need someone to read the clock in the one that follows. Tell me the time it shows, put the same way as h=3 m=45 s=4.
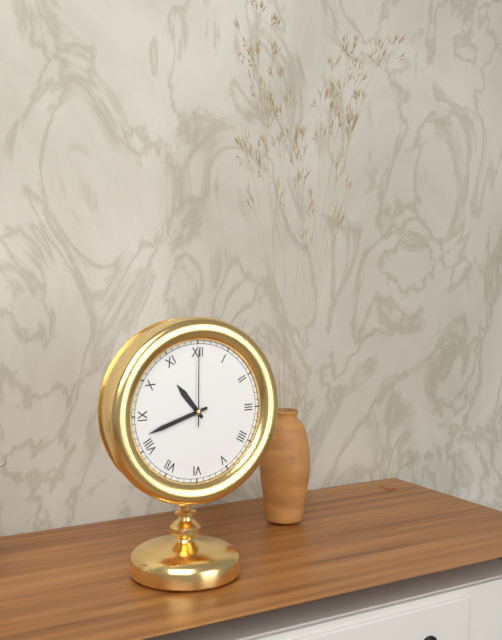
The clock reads h=10 m=42 s=0
